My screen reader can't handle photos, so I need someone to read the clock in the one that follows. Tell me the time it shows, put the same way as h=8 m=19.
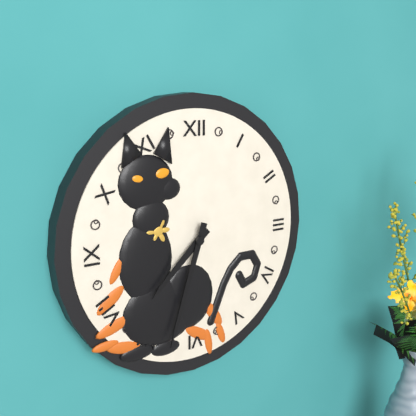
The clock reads h=7 m=33
